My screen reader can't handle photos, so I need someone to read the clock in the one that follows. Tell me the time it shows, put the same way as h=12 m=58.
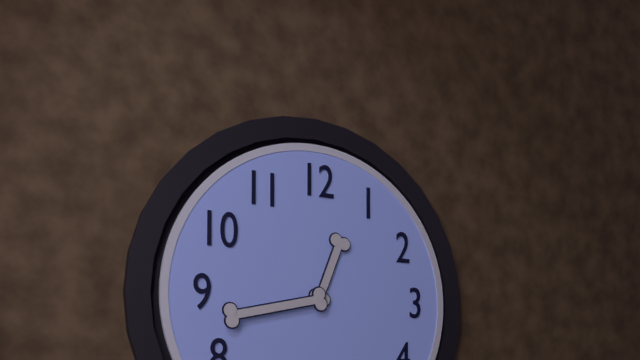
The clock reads h=12 m=43
